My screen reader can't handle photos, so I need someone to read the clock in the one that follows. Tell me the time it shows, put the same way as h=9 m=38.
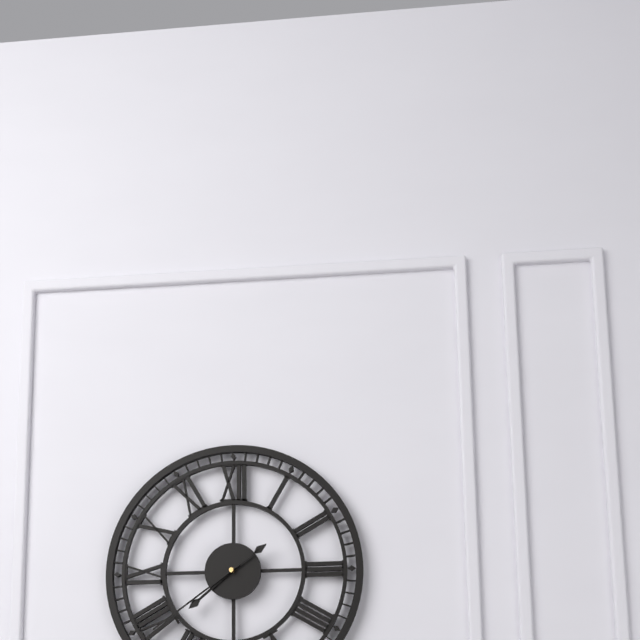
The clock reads h=7 m=39
